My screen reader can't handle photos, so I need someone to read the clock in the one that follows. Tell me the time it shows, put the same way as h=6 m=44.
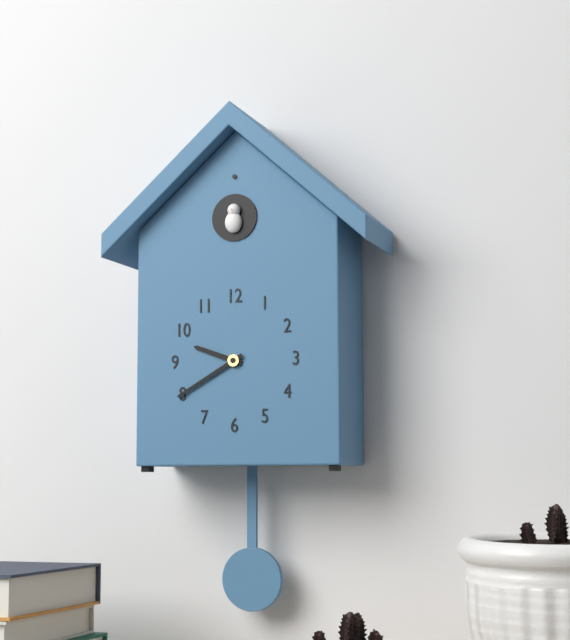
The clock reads h=9 m=40
